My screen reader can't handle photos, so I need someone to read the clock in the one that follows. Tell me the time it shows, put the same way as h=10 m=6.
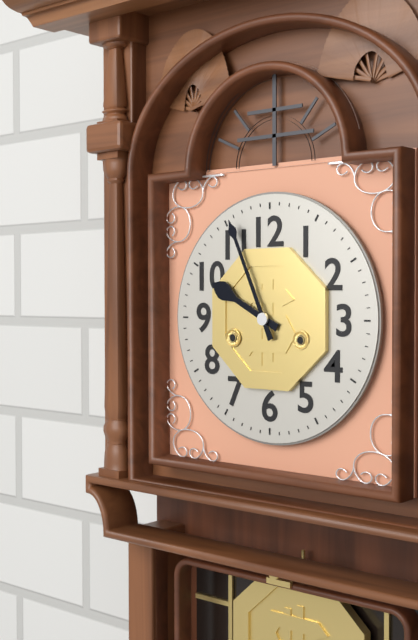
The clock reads h=9 m=56
